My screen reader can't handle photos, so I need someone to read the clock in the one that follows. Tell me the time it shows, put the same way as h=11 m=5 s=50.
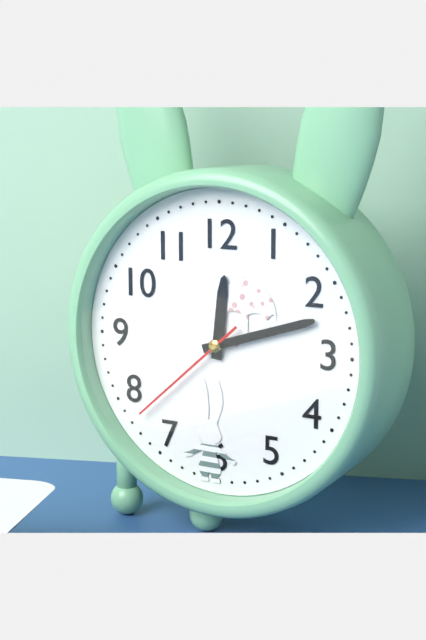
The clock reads h=12 m=12 s=38
